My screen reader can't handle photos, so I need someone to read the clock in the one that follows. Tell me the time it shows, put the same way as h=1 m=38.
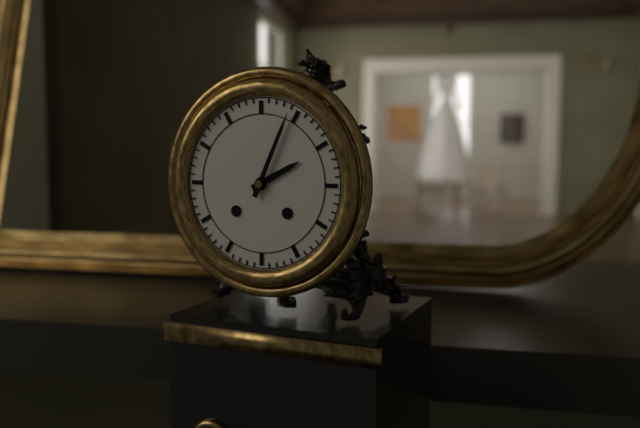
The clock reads h=2 m=4
